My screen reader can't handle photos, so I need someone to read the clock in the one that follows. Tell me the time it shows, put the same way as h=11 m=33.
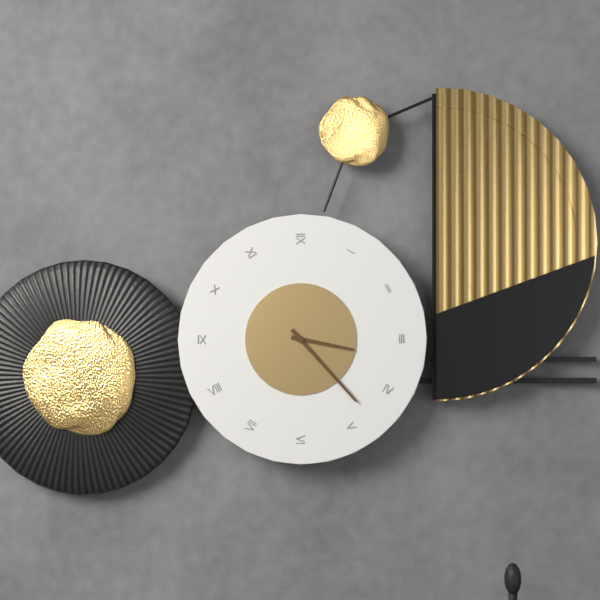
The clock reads h=3 m=23
